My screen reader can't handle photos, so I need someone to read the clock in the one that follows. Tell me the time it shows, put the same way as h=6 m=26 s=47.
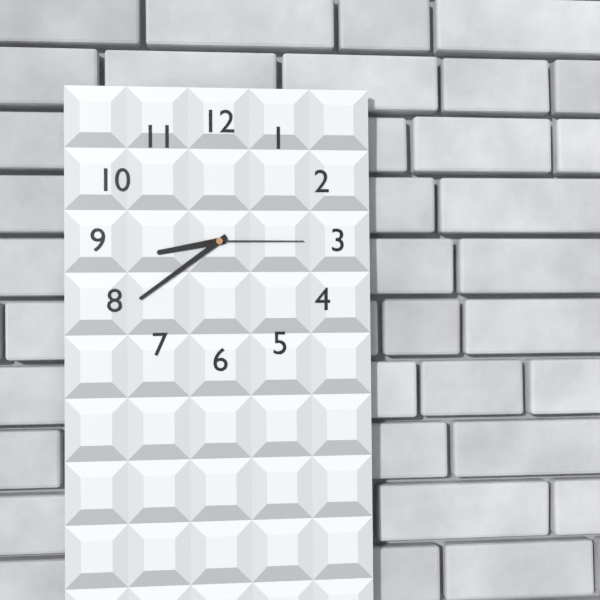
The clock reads h=8 m=39 s=15
